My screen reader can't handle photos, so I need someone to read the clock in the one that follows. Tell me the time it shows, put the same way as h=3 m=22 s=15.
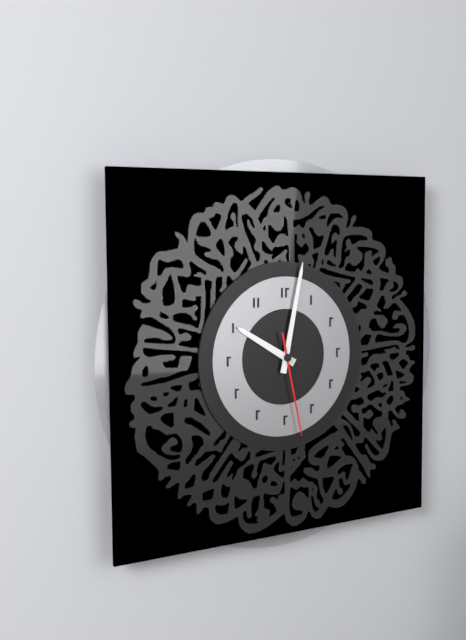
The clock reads h=10 m=2 s=28
